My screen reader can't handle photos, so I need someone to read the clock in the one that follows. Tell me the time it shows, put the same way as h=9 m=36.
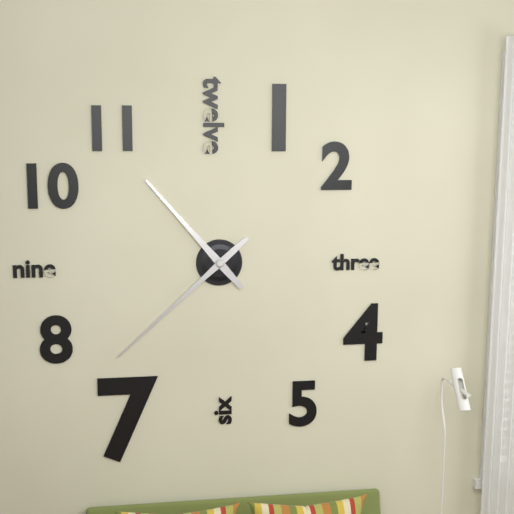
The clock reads h=10 m=38
